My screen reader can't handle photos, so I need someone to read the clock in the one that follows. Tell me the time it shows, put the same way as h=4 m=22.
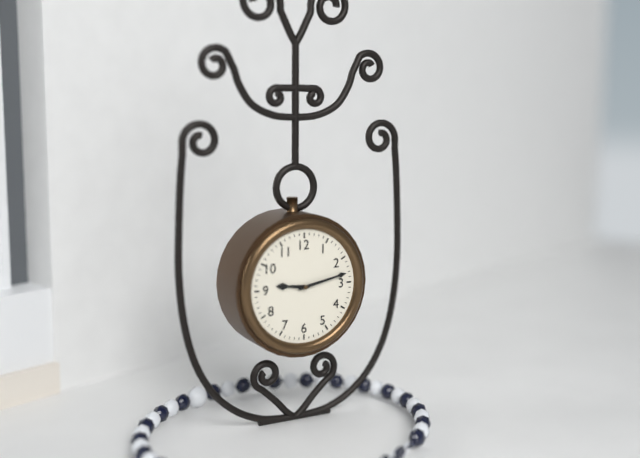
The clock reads h=9 m=13
